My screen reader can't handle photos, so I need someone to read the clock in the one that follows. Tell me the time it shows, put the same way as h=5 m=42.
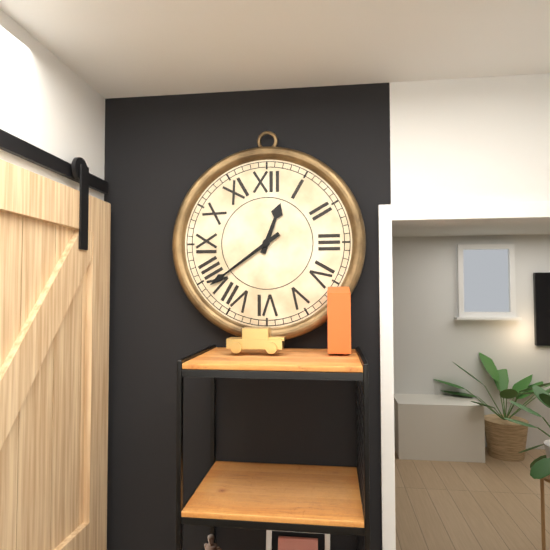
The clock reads h=12 m=39
